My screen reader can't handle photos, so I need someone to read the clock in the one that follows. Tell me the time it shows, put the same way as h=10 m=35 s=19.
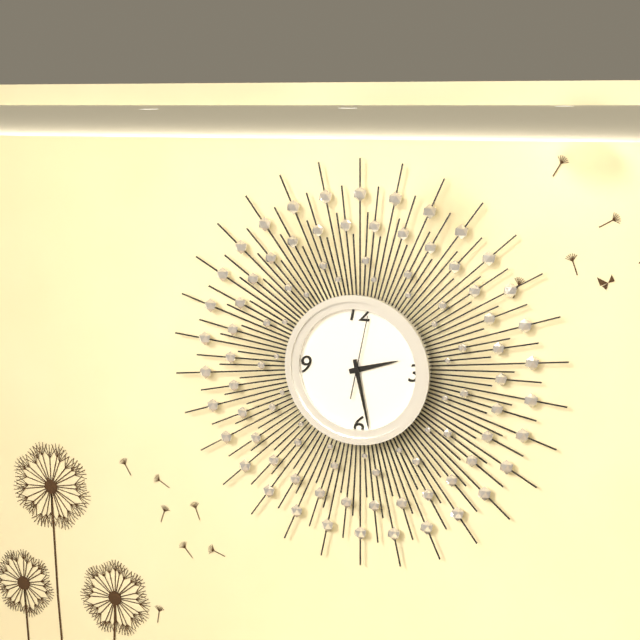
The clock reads h=2 m=28 s=2
